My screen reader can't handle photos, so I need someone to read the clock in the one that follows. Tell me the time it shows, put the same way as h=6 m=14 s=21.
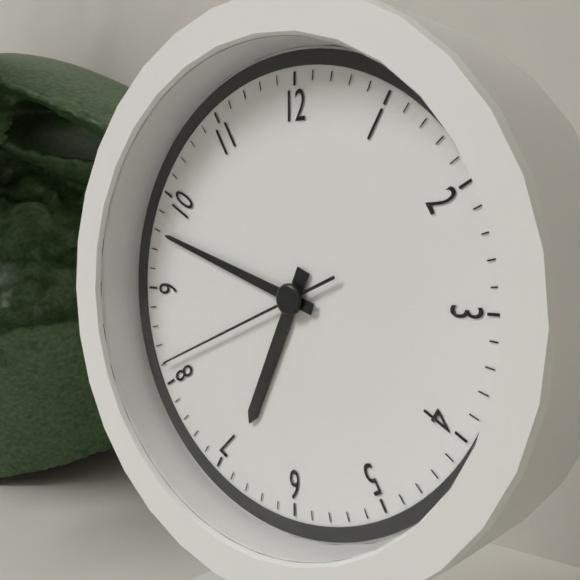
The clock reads h=6 m=48 s=41
